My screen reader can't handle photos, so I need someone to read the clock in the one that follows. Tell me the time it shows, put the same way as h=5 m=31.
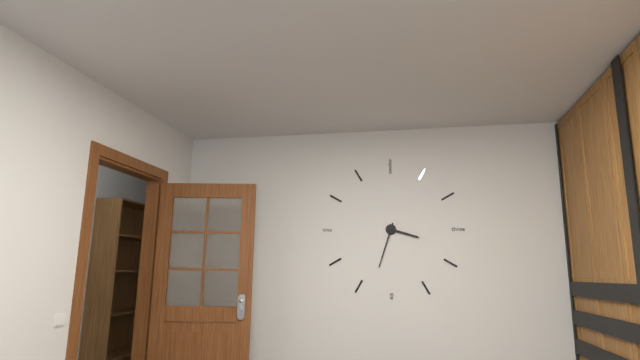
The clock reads h=3 m=33
